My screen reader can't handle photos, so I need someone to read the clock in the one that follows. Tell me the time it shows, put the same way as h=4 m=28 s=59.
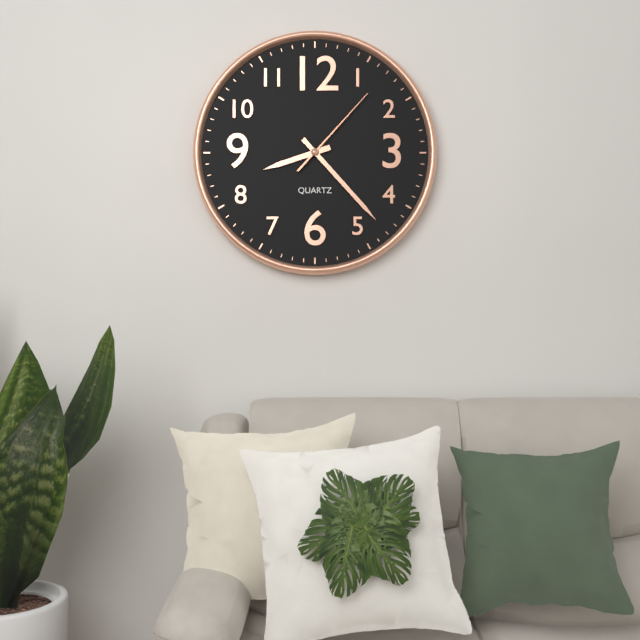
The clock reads h=8 m=23 s=7
